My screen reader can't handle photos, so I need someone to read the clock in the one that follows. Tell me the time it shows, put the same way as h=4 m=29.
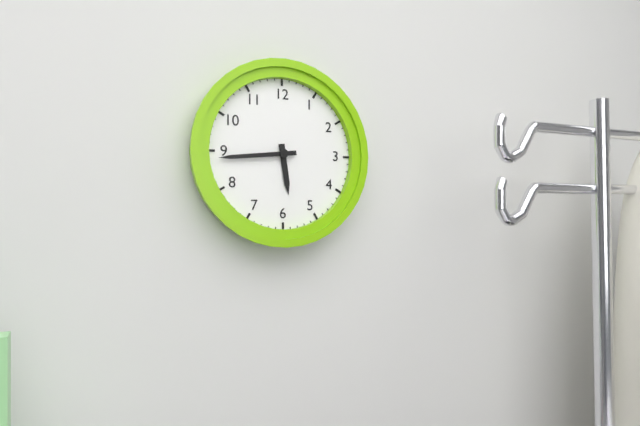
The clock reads h=5 m=44
